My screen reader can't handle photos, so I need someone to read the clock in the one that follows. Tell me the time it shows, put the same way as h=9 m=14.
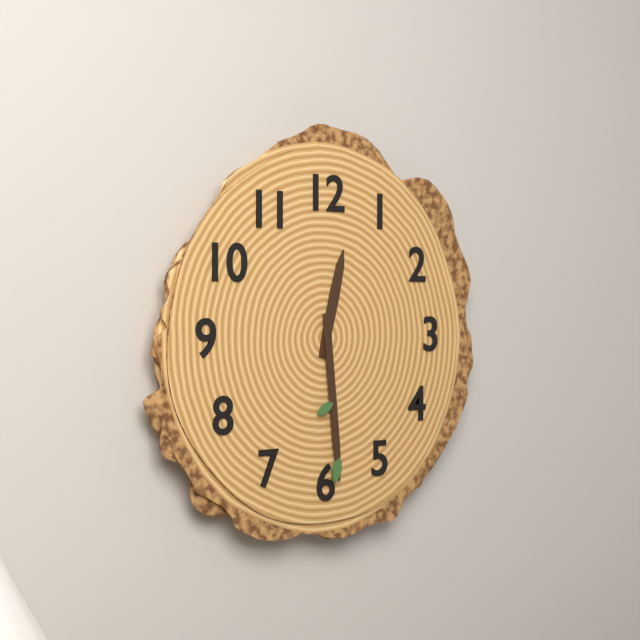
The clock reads h=12 m=29
